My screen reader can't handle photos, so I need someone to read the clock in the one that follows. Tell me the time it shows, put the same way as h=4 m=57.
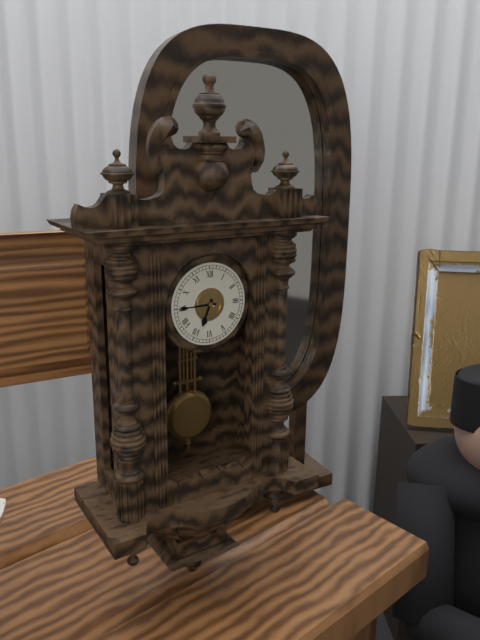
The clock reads h=6 m=45
